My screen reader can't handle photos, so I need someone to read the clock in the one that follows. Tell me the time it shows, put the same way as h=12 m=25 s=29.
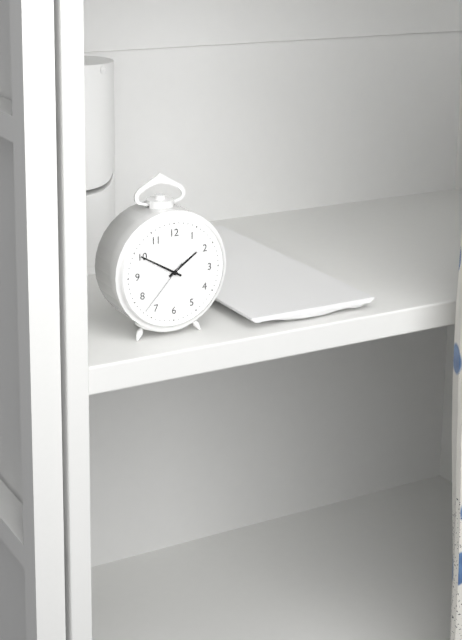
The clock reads h=1 m=50 s=37
